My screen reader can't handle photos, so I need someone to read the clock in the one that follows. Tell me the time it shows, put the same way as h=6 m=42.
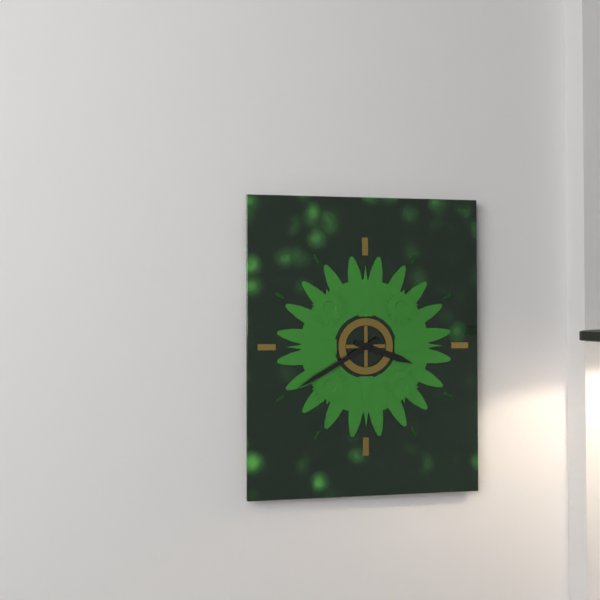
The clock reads h=3 m=40
